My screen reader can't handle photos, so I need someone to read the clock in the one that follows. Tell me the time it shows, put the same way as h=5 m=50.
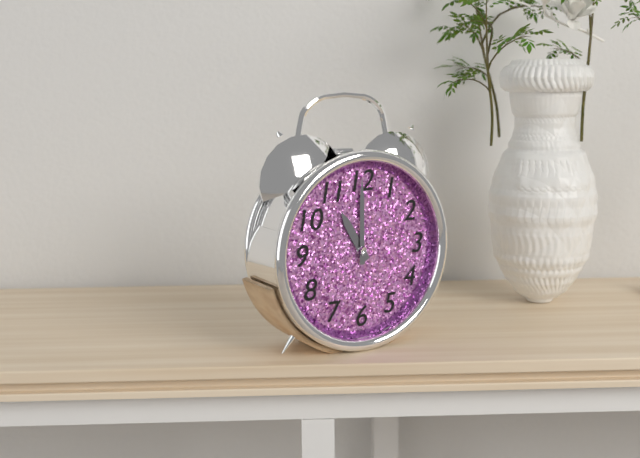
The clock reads h=11 m=0
